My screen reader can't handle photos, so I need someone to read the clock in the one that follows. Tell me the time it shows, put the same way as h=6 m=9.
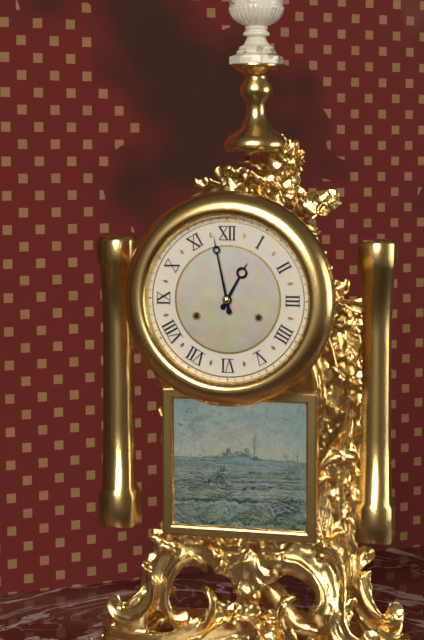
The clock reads h=12 m=58
